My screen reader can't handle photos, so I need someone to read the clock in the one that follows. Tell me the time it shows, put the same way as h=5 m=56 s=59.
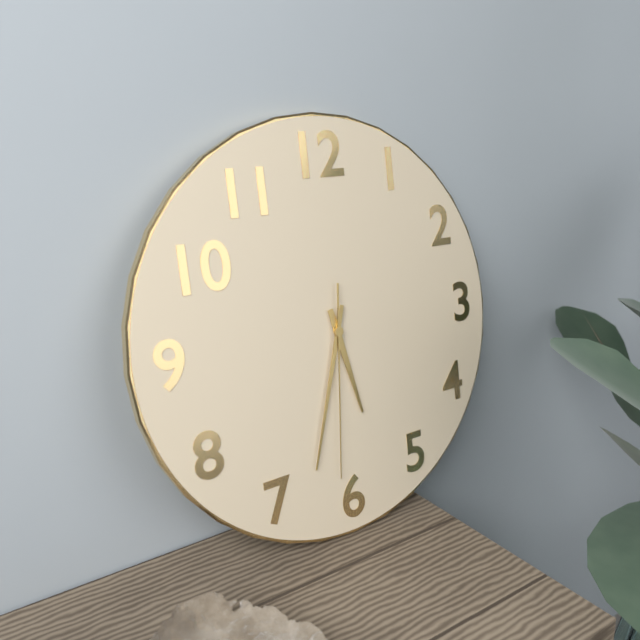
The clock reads h=5 m=33 s=31
